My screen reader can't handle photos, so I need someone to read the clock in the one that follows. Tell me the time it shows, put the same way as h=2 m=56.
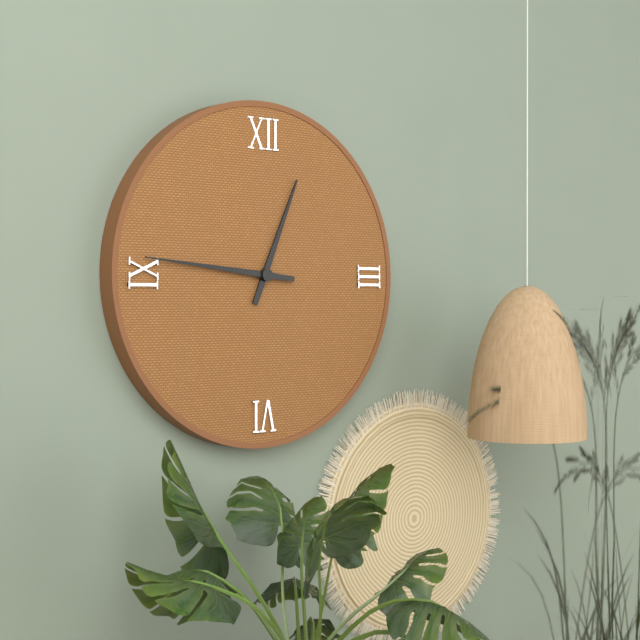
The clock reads h=12 m=46
